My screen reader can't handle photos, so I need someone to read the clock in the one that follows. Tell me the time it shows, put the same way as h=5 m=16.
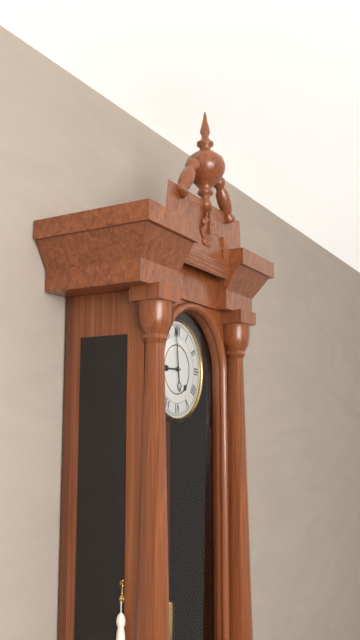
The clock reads h=8 m=59
